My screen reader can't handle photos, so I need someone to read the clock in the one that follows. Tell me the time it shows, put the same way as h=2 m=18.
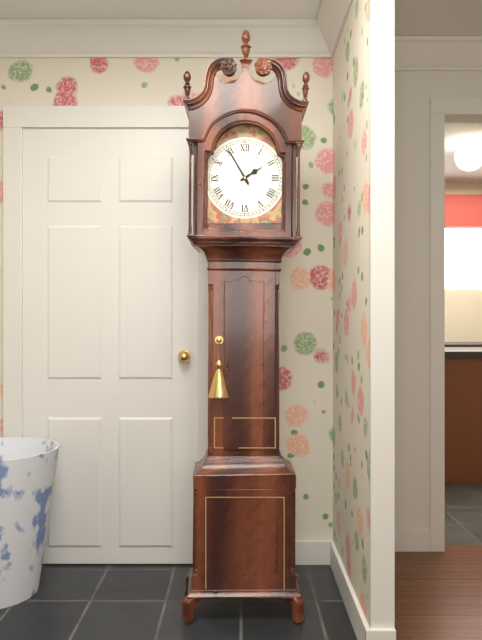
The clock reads h=1 m=55
